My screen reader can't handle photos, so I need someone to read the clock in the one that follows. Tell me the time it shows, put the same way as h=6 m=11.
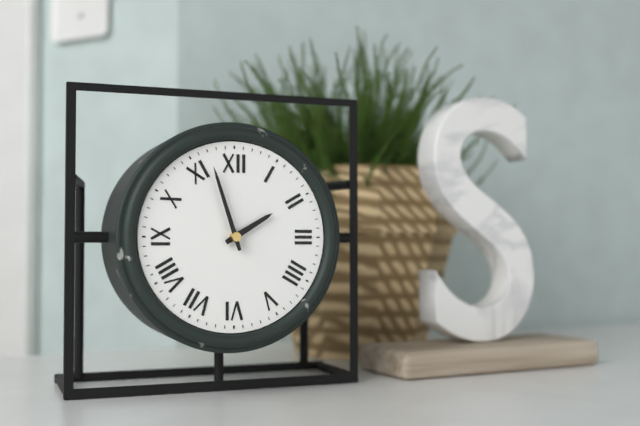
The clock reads h=1 m=57
